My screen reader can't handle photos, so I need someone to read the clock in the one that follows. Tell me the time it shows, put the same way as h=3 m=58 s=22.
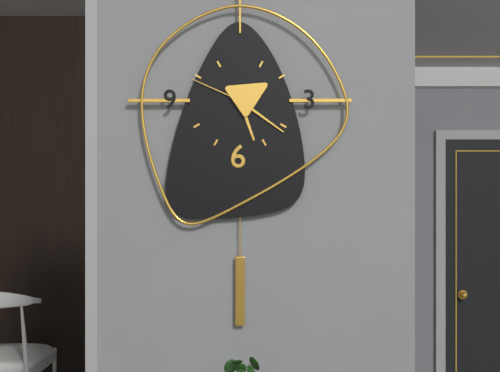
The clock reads h=5 m=21 s=49
